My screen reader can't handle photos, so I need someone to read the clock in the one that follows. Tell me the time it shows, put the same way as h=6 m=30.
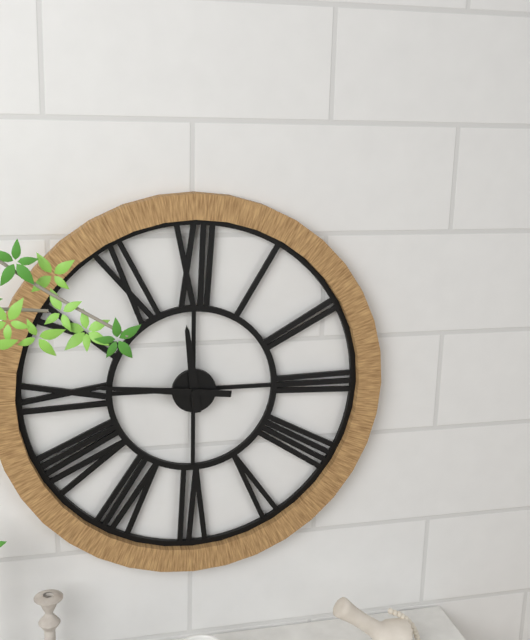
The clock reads h=11 m=46
